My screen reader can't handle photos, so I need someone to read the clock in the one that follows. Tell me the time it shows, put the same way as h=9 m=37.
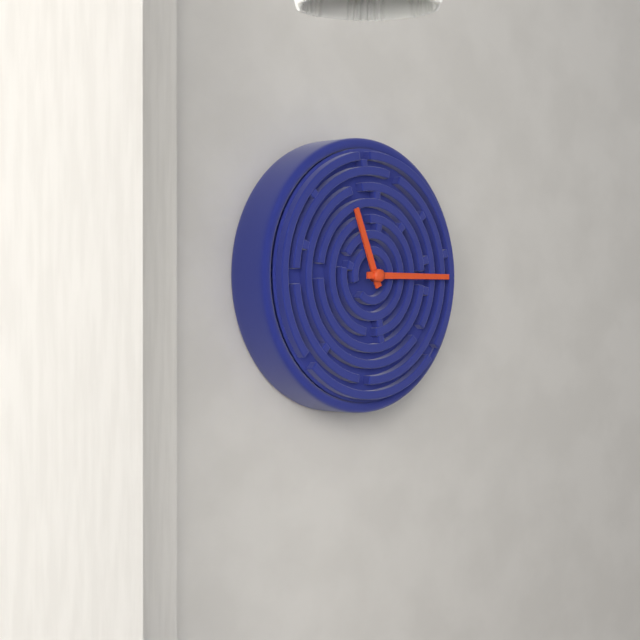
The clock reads h=11 m=15
